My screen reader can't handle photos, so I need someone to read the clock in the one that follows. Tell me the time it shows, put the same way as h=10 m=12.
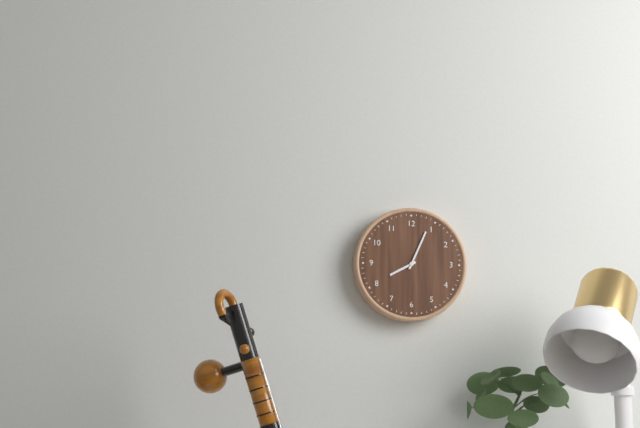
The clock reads h=8 m=4
